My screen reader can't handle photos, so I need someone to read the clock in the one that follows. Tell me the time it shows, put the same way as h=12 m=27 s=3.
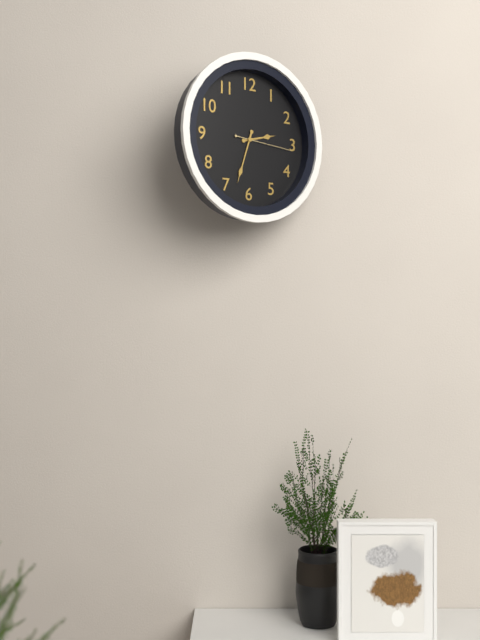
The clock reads h=2 m=33 s=16
